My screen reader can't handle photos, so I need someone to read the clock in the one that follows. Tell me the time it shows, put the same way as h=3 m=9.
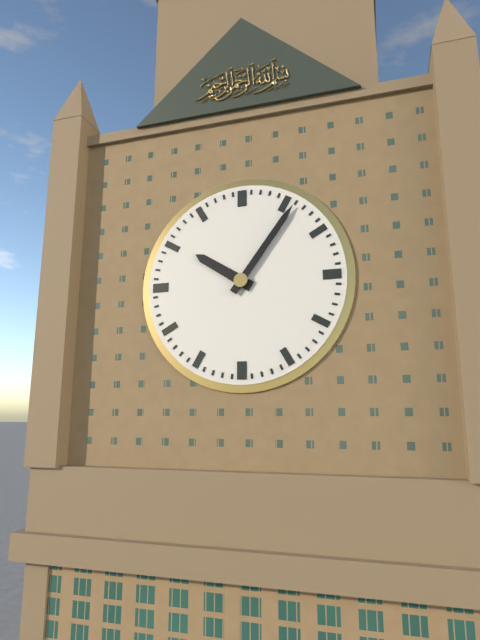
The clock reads h=10 m=6
